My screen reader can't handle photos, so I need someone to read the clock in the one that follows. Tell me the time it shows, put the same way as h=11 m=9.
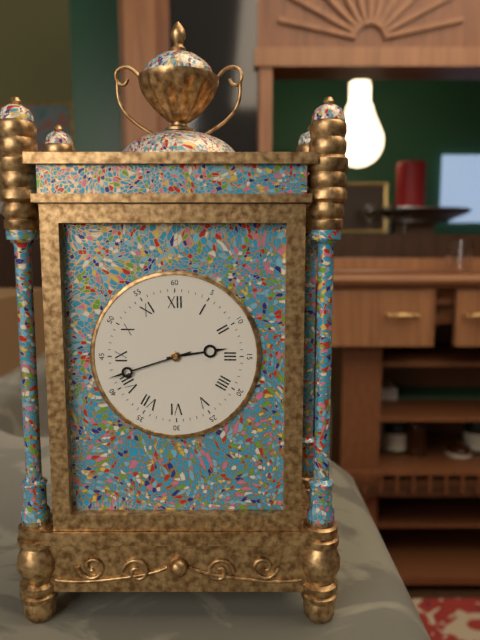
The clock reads h=2 m=42
